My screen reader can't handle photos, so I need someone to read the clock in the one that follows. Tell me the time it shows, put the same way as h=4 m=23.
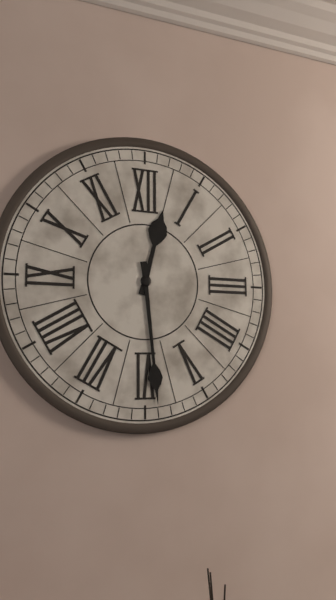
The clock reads h=12 m=29
